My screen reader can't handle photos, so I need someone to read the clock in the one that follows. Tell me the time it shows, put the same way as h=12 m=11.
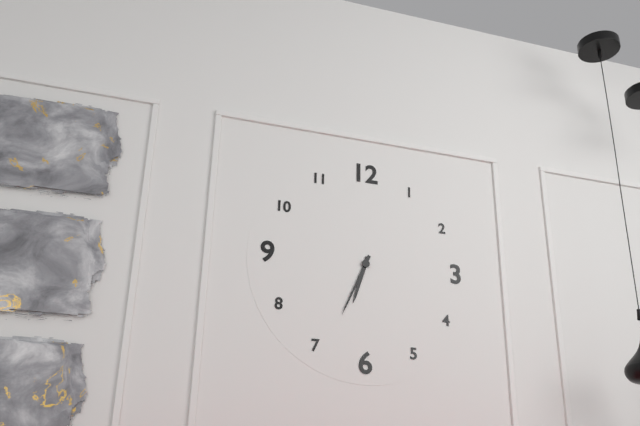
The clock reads h=6 m=34
